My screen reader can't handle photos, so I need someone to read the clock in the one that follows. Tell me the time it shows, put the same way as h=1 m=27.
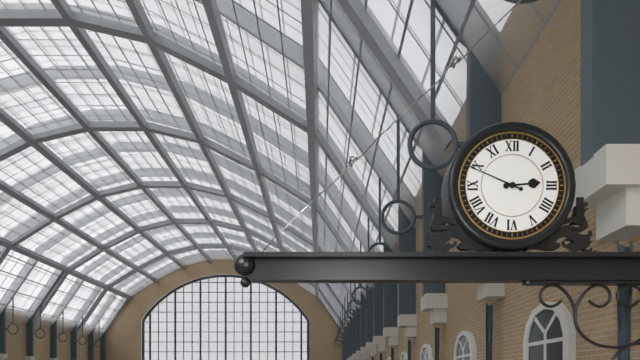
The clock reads h=2 m=49
